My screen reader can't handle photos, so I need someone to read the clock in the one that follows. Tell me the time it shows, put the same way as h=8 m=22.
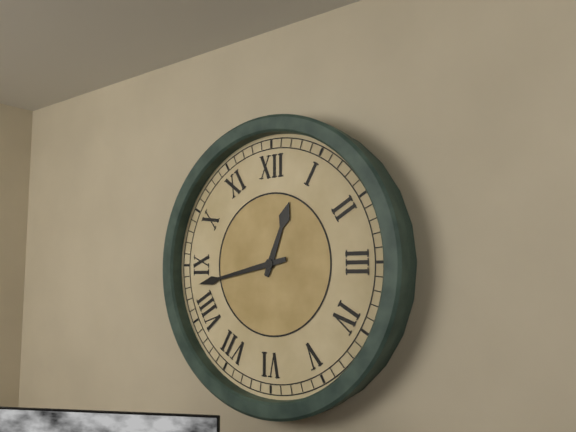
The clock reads h=12 m=43
